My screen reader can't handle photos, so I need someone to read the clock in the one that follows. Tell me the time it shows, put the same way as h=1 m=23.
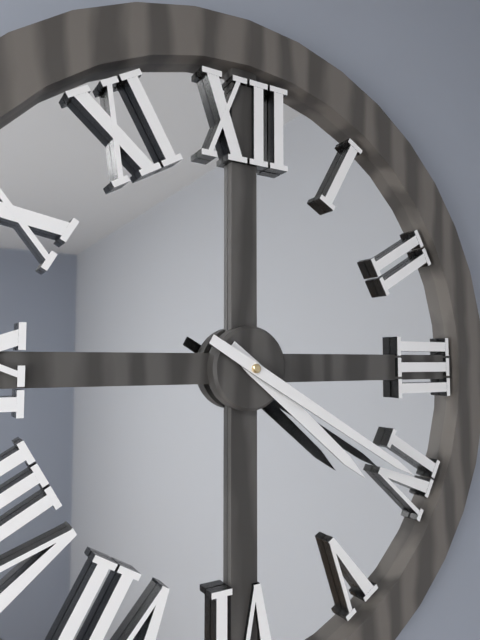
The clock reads h=4 m=20
